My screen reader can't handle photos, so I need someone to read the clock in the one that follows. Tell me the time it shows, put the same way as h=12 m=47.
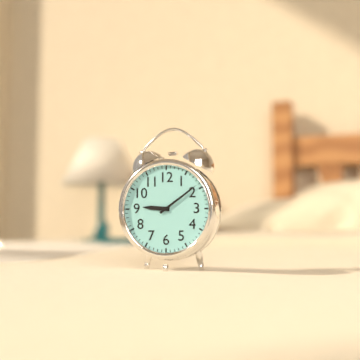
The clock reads h=9 m=9
